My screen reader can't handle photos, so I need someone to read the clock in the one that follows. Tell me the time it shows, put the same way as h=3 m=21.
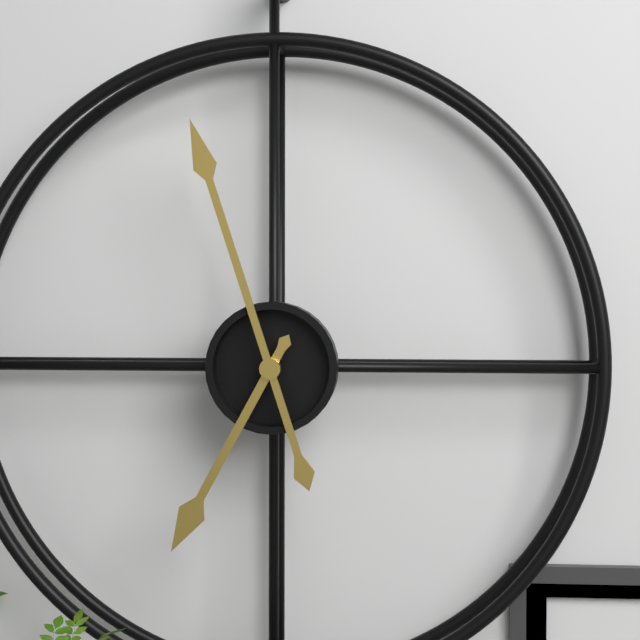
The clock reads h=6 m=57
